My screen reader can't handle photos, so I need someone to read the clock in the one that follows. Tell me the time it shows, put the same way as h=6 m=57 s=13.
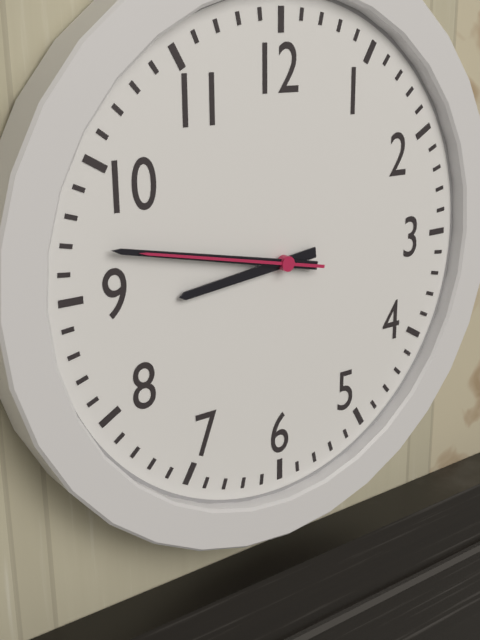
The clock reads h=8 m=47 s=47
